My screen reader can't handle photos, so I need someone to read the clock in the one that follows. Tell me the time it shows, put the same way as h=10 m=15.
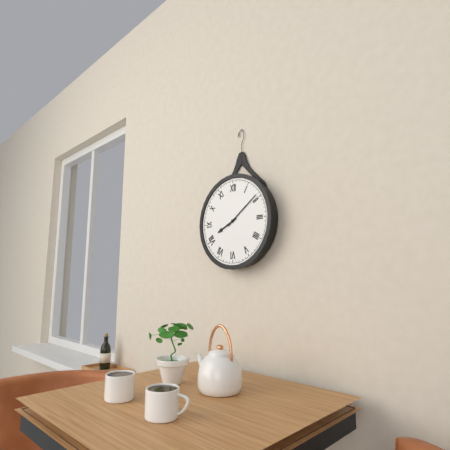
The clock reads h=8 m=9
